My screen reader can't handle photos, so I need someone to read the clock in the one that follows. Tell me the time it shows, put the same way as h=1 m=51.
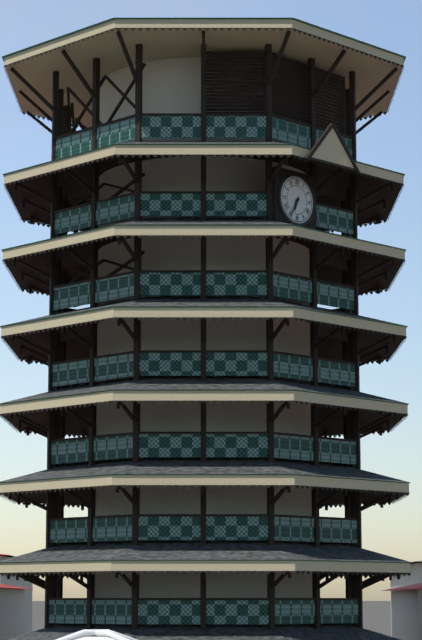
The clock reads h=6 m=35
